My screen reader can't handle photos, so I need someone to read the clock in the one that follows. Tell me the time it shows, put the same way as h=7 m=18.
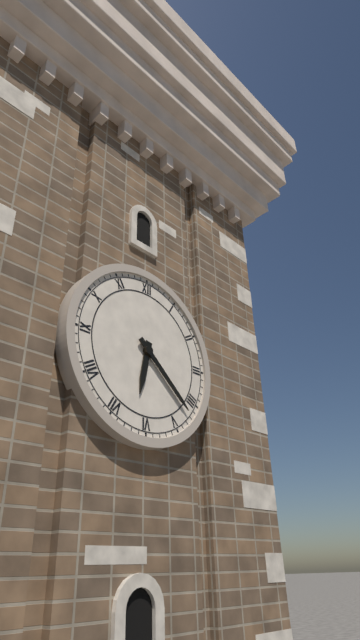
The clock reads h=6 m=22
